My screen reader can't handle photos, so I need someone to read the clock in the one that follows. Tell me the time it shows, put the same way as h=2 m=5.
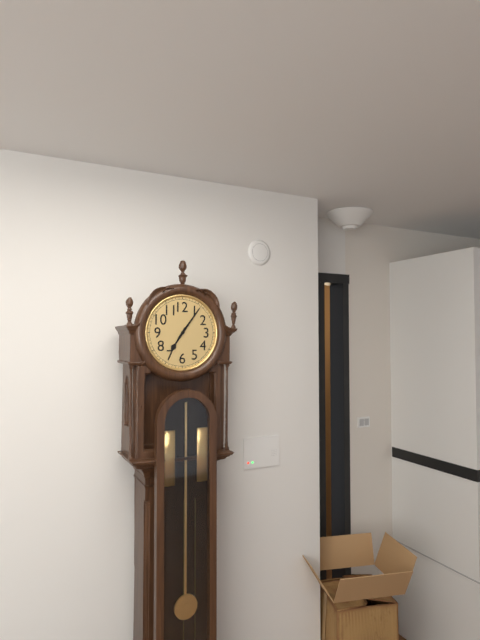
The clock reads h=7 m=6
